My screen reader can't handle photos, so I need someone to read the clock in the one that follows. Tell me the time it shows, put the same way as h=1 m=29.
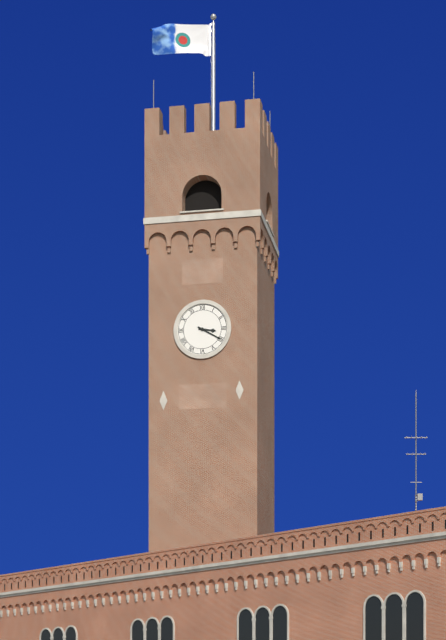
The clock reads h=3 m=20
